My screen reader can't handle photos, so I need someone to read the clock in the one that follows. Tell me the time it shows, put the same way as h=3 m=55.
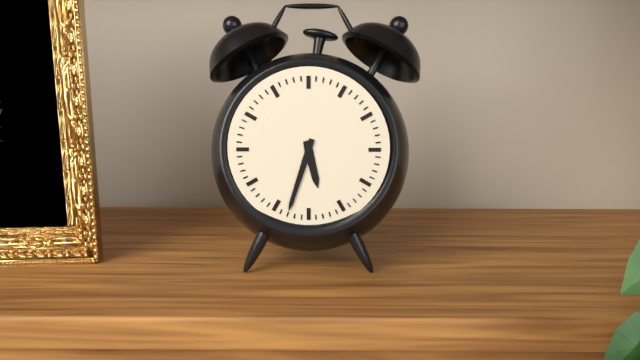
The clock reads h=5 m=33
